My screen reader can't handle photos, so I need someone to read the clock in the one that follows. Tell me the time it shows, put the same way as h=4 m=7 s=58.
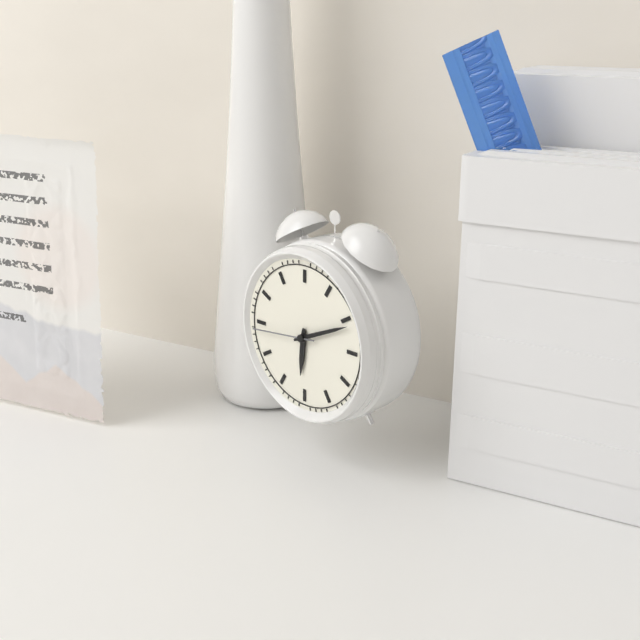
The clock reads h=6 m=11 s=44
